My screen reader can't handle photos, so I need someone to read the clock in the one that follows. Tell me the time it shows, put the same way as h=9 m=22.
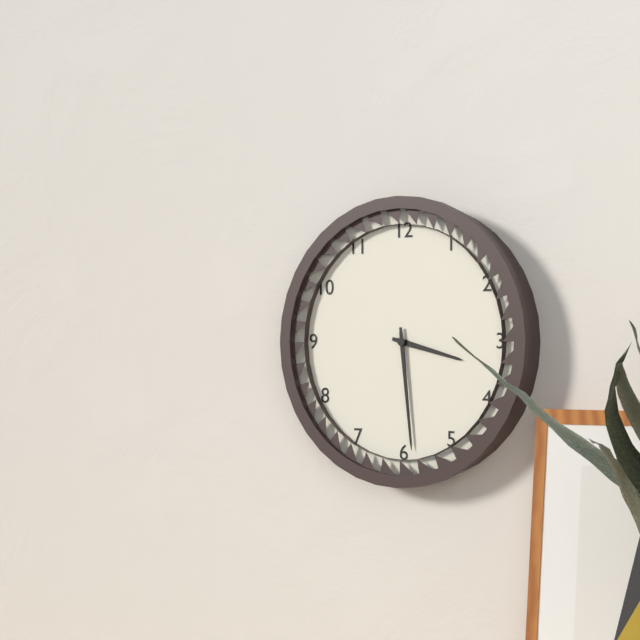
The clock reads h=3 m=29
